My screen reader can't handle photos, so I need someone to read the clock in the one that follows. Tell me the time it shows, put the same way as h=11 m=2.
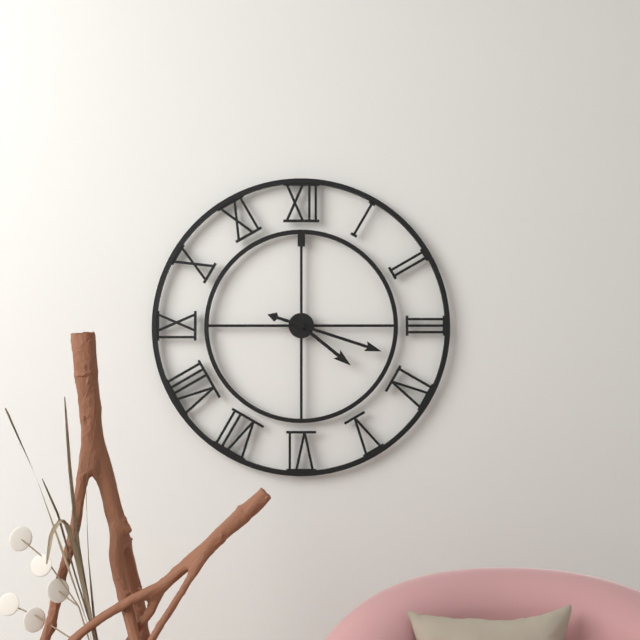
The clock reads h=4 m=18
